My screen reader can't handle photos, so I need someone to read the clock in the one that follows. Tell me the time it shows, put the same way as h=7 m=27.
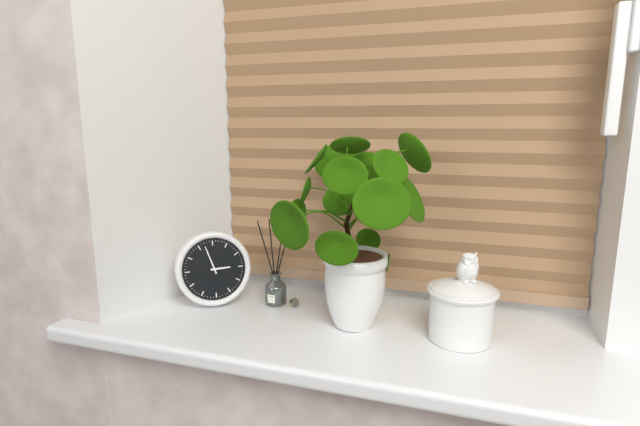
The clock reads h=2 m=57
